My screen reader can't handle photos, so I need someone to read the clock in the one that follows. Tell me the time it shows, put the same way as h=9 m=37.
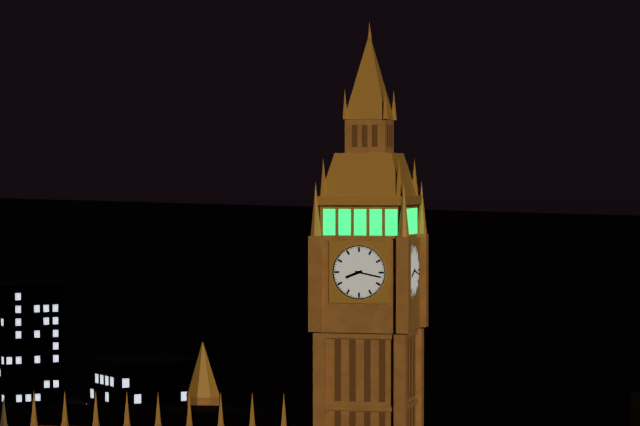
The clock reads h=8 m=17
